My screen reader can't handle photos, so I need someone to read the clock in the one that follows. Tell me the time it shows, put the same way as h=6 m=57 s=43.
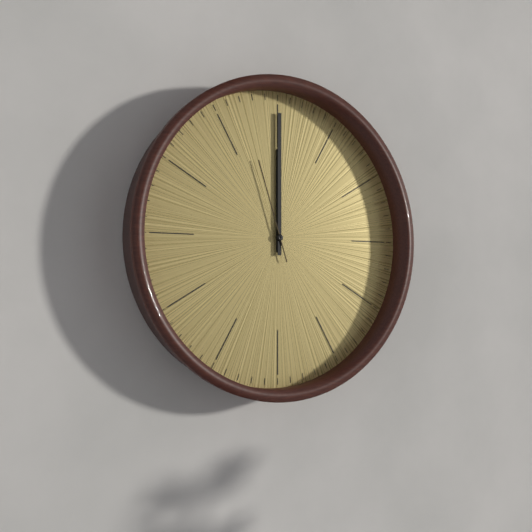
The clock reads h=12 m=0 s=57
